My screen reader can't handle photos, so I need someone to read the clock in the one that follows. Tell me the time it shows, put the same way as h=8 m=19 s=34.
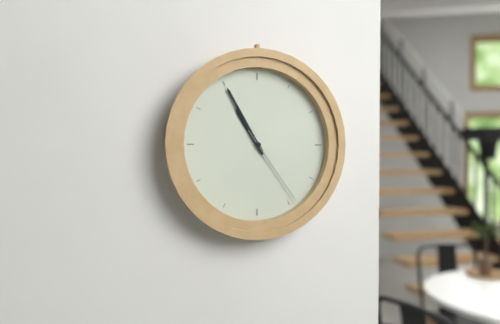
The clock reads h=10 m=55 s=24
